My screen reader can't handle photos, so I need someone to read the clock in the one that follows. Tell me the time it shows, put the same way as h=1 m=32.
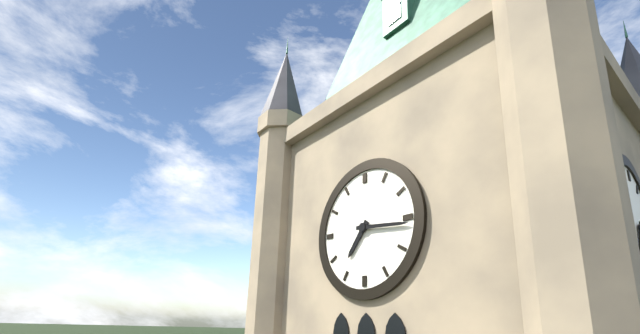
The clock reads h=7 m=16
